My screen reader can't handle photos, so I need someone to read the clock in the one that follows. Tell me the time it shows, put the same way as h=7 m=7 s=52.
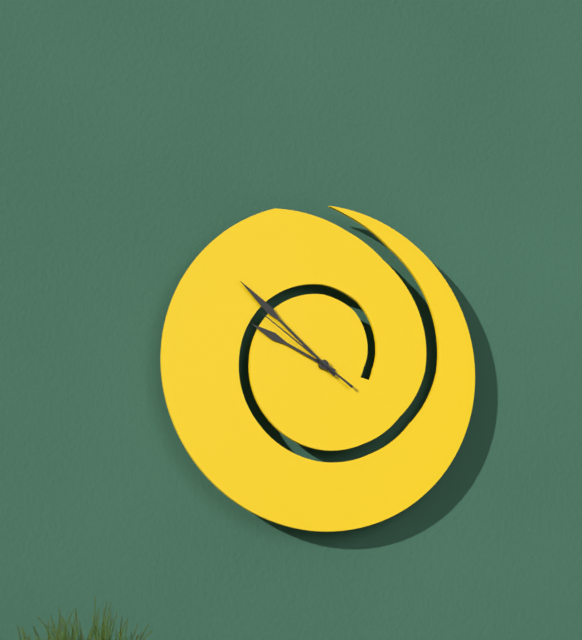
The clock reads h=9 m=52 s=51
